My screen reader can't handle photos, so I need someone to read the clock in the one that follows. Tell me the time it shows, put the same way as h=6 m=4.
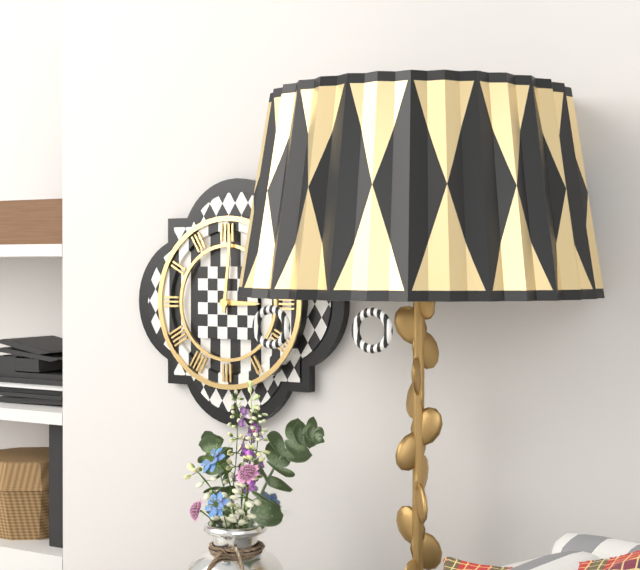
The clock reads h=3 m=1
